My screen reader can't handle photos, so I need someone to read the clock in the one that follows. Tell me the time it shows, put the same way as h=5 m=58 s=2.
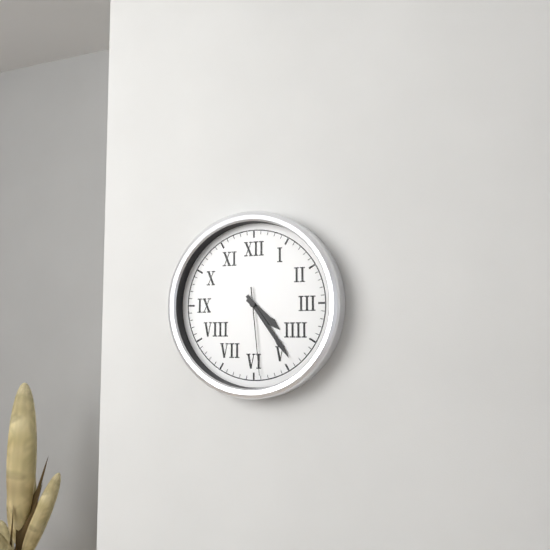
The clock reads h=4 m=24 s=29
